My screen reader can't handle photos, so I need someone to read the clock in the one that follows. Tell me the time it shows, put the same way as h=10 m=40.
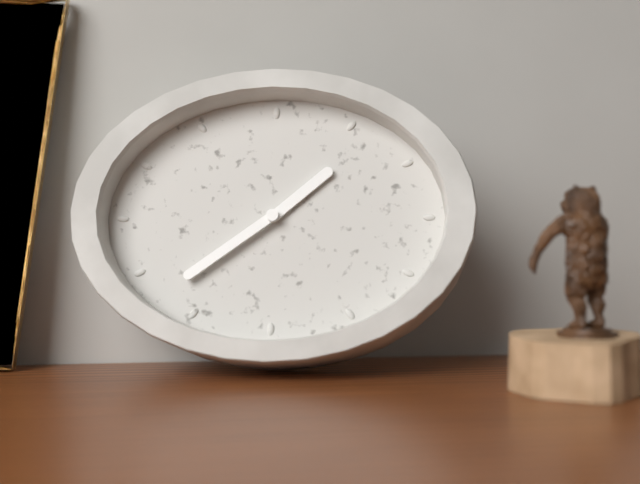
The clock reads h=1 m=39
